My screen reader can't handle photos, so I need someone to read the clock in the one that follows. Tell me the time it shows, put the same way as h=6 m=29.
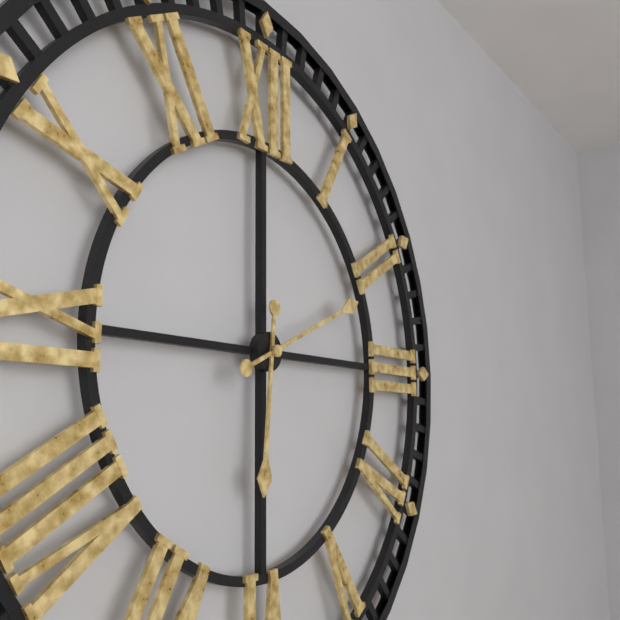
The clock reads h=6 m=11
